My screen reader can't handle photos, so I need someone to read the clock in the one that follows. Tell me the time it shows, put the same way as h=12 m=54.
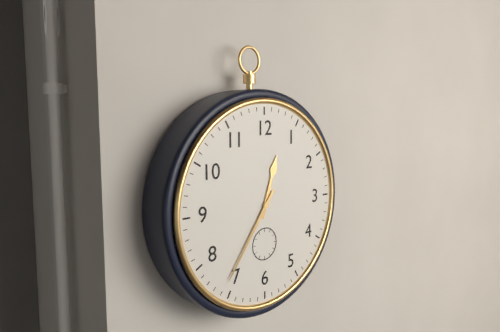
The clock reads h=12 m=36
